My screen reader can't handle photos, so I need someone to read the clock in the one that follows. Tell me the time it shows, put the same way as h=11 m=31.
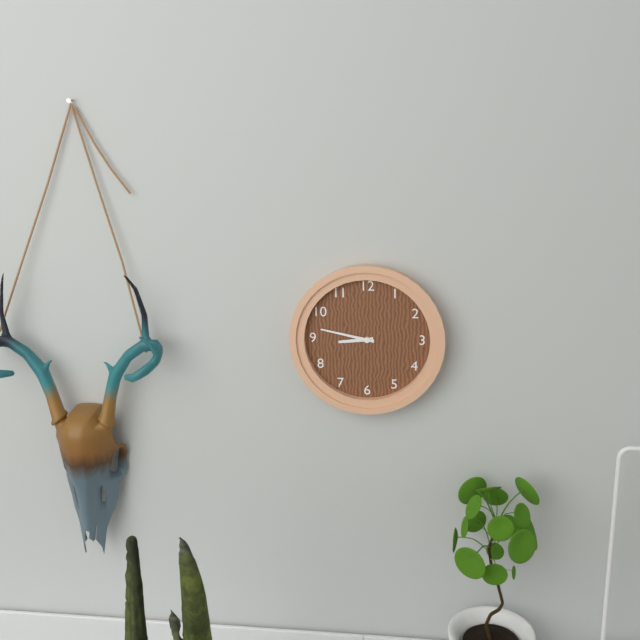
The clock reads h=8 m=47
